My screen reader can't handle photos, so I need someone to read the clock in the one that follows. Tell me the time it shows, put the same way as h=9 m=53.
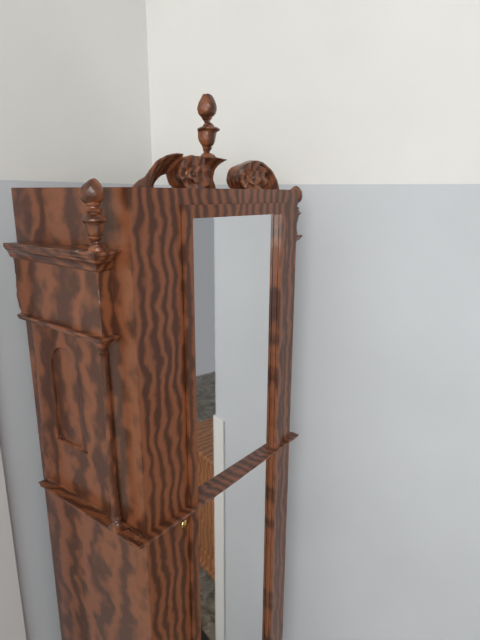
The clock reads h=7 m=37
